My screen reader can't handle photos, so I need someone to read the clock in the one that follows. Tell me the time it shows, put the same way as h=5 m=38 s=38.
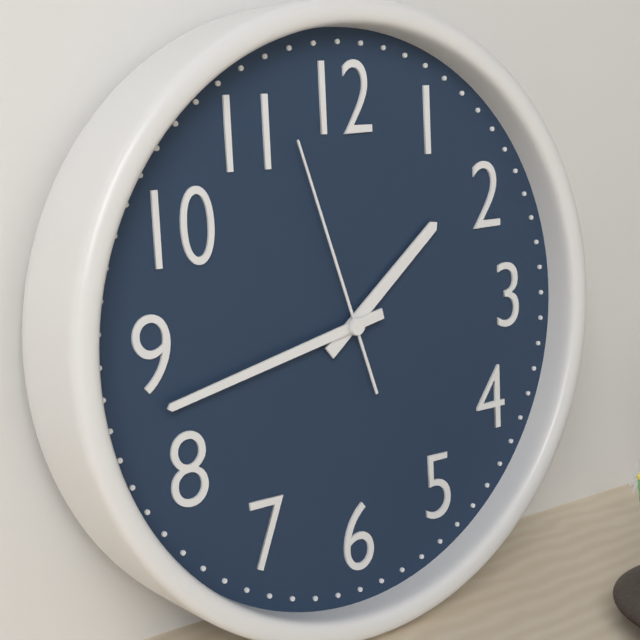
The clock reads h=1 m=43 s=57
